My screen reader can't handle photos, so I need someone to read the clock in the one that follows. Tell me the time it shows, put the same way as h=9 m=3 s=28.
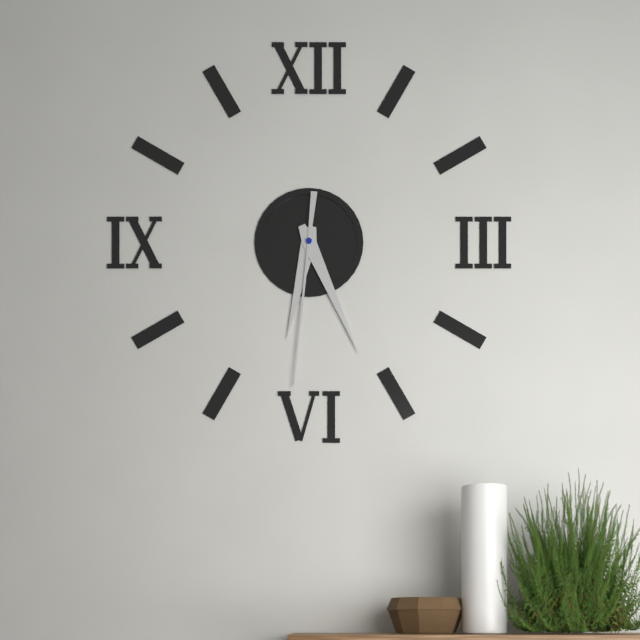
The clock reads h=6 m=26 s=31
